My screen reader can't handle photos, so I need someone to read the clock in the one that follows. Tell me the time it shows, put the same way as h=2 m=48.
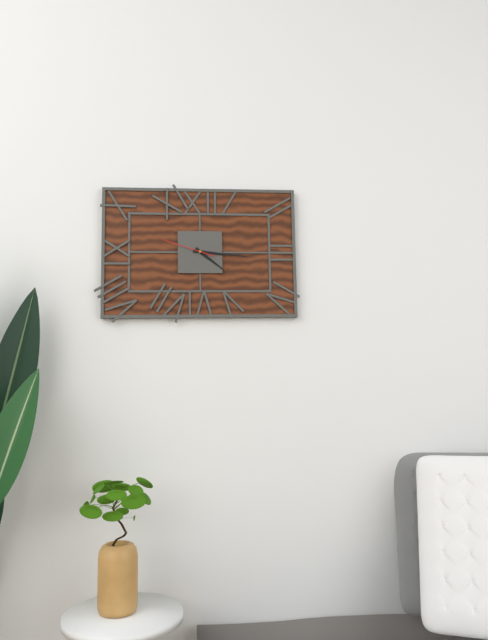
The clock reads h=4 m=16
